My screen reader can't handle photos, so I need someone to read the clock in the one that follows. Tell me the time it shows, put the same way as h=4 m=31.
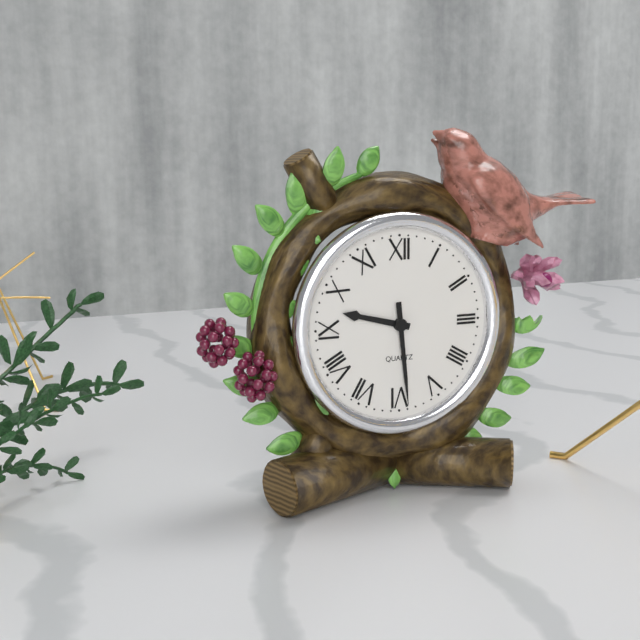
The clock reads h=9 m=29
